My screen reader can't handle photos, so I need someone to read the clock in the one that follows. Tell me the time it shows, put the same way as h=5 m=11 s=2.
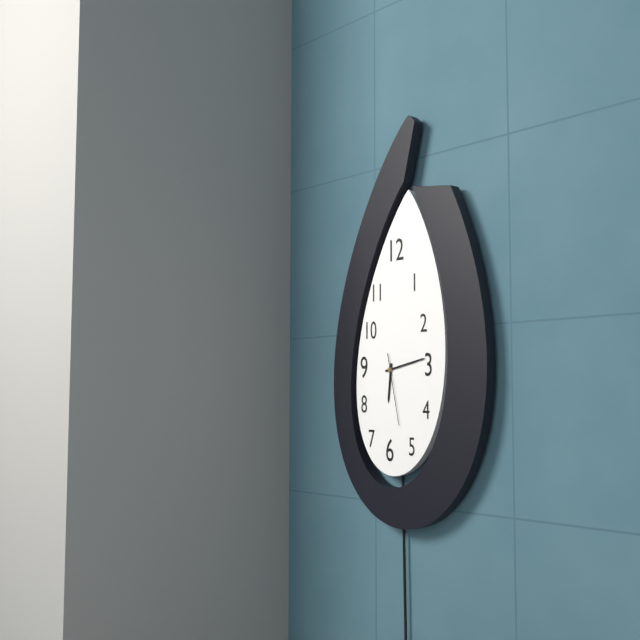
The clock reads h=6 m=13 s=28
